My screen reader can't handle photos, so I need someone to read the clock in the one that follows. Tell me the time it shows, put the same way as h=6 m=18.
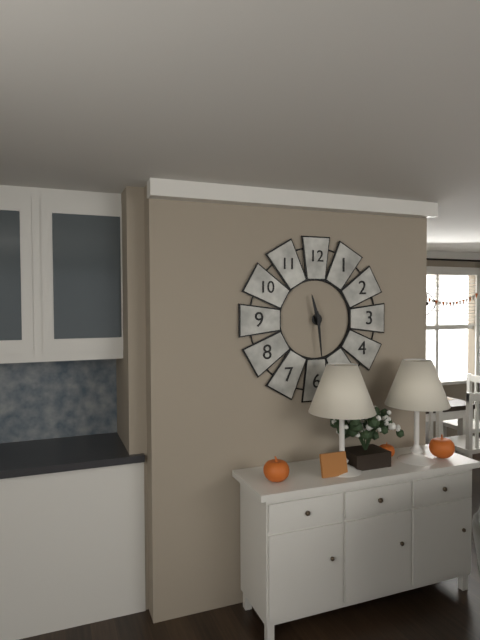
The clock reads h=11 m=29
